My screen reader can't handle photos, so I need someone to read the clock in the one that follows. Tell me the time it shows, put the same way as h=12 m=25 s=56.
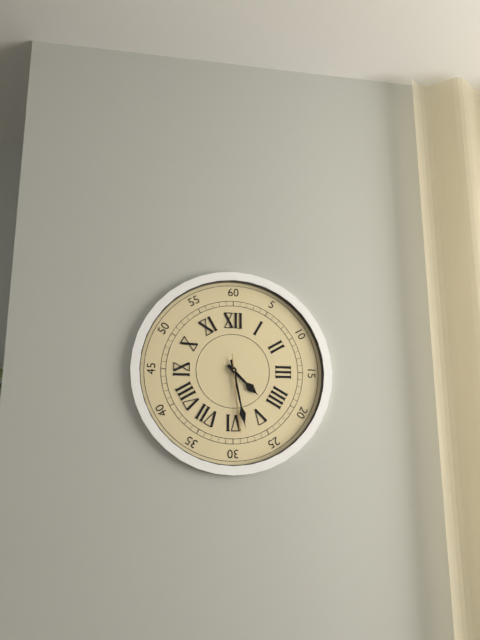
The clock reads h=4 m=28 s=29
